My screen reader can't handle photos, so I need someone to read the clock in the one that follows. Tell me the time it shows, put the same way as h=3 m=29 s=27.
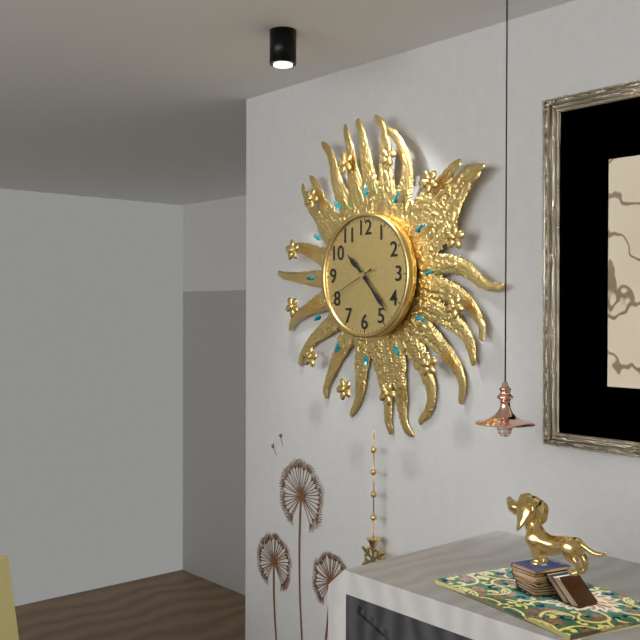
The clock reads h=10 m=23 s=41
